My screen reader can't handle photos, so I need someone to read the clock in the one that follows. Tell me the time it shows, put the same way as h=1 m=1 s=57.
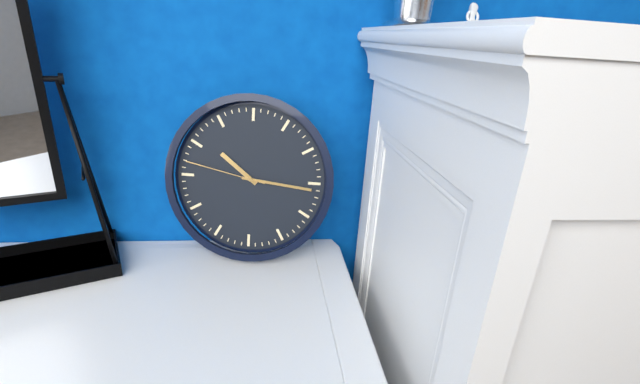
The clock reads h=10 m=16 s=47
